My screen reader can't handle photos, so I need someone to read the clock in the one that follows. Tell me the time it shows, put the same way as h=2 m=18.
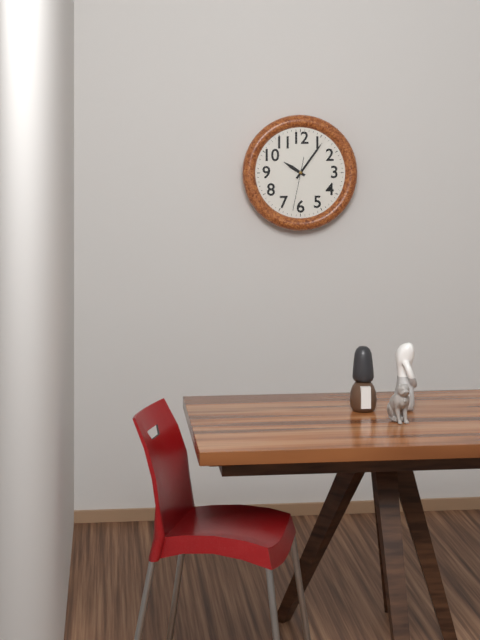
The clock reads h=10 m=6
